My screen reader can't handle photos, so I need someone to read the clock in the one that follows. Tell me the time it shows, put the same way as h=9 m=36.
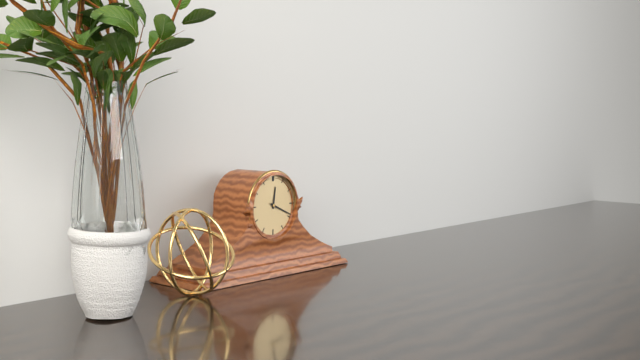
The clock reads h=12 m=19
